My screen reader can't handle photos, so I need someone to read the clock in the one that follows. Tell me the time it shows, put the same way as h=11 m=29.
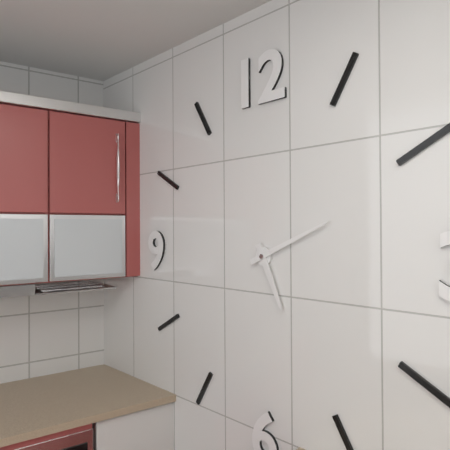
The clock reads h=5 m=11
